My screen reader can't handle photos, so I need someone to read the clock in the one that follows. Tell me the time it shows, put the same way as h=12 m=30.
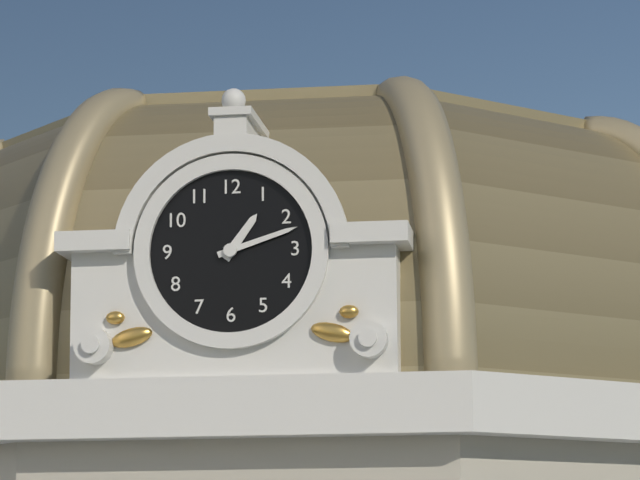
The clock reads h=1 m=12
